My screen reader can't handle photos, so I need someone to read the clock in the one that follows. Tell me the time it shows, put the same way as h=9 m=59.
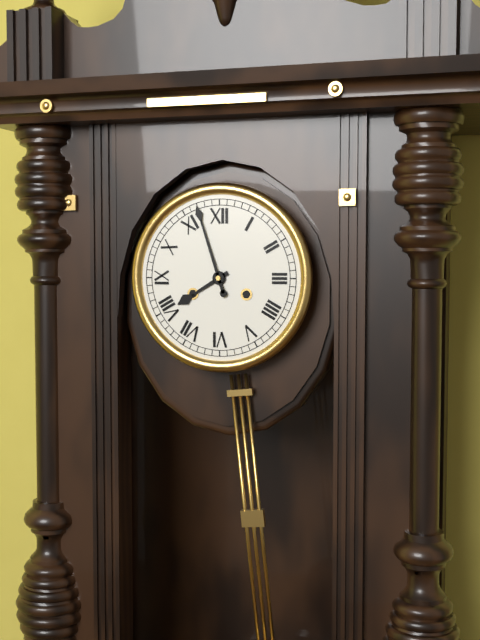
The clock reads h=7 m=57
